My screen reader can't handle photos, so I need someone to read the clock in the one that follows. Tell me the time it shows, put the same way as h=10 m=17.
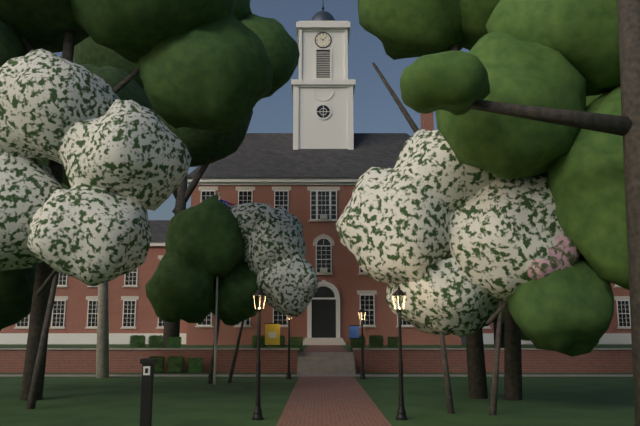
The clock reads h=10 m=7
